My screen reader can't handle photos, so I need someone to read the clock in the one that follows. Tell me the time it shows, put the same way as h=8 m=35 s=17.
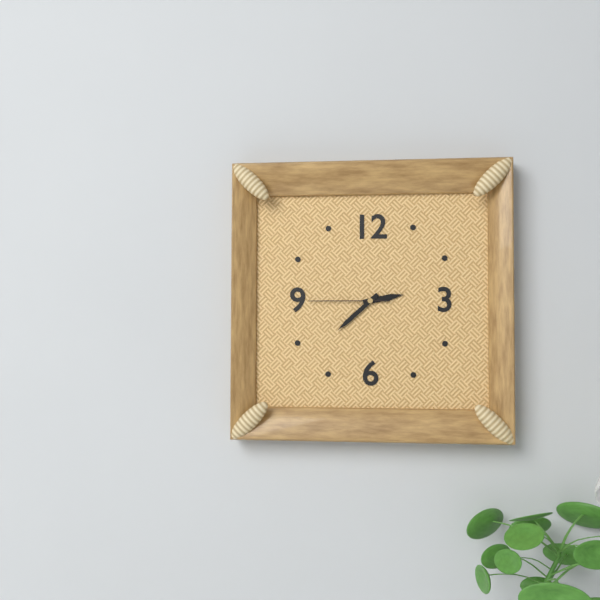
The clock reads h=2 m=38 s=45
